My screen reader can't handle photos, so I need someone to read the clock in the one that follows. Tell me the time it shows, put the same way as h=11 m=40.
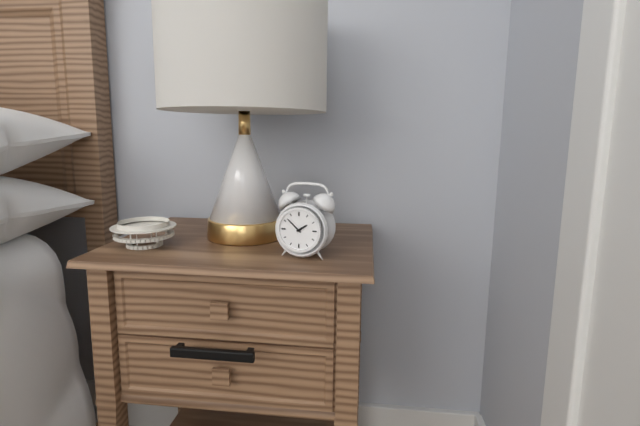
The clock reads h=1 m=52
